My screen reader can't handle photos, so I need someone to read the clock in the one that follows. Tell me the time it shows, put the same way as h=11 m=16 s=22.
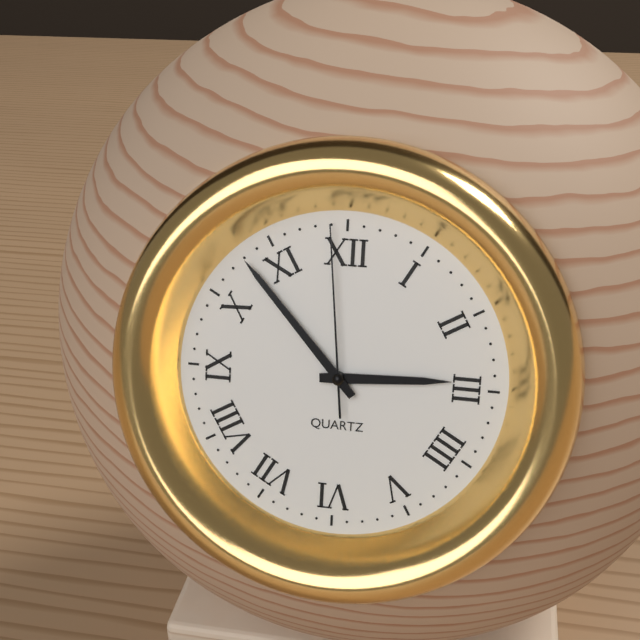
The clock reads h=2 m=53 s=59
